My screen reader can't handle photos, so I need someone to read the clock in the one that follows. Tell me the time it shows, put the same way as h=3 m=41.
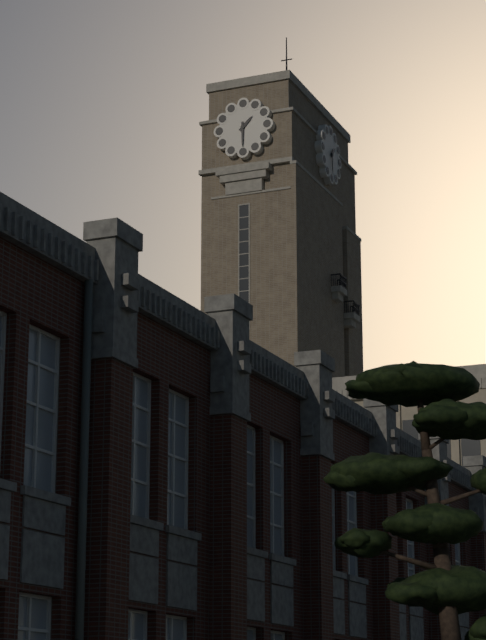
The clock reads h=1 m=30
